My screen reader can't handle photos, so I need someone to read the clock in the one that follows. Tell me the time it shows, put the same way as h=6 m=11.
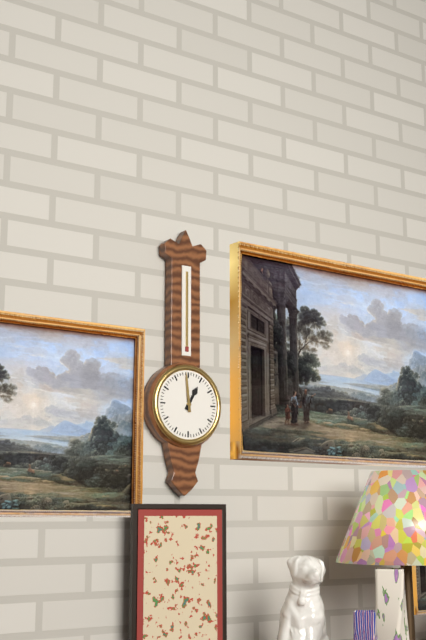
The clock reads h=12 m=59
